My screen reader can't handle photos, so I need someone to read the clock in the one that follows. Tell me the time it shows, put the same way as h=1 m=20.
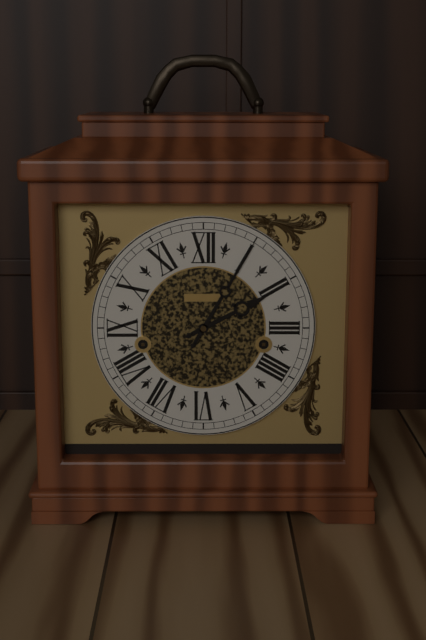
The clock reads h=2 m=5
